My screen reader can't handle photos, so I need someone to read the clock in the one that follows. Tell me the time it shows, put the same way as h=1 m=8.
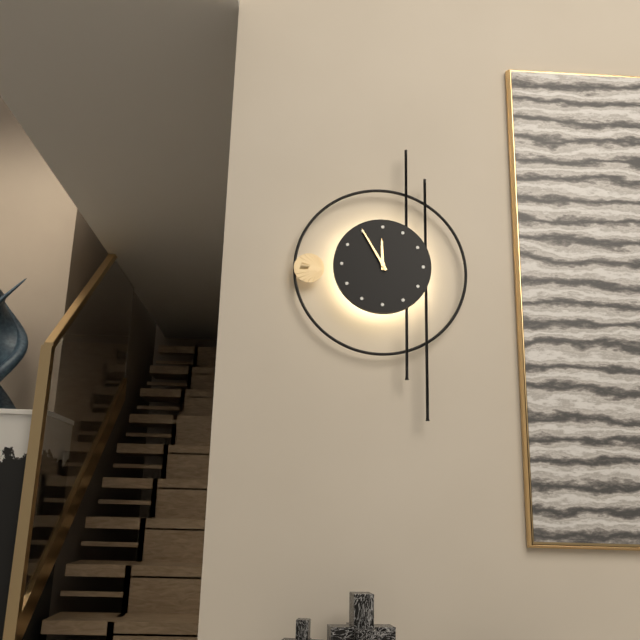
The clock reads h=11 m=55
